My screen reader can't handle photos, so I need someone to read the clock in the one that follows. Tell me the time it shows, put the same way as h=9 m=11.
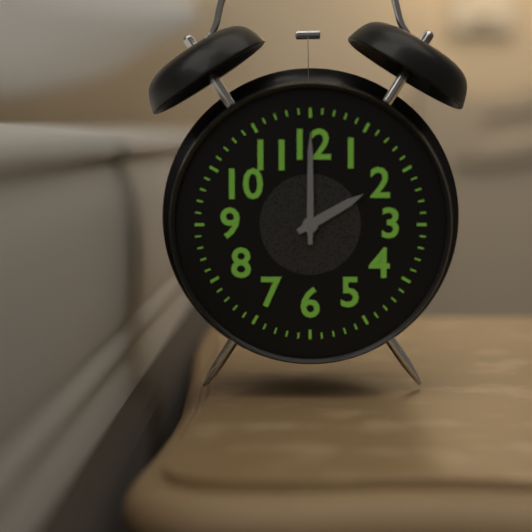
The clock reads h=2 m=0
